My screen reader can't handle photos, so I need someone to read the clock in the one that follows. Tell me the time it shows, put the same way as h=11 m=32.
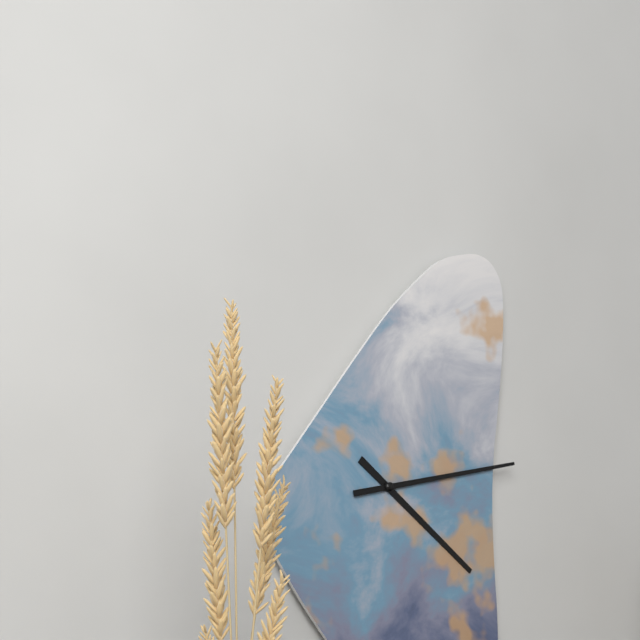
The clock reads h=4 m=13
